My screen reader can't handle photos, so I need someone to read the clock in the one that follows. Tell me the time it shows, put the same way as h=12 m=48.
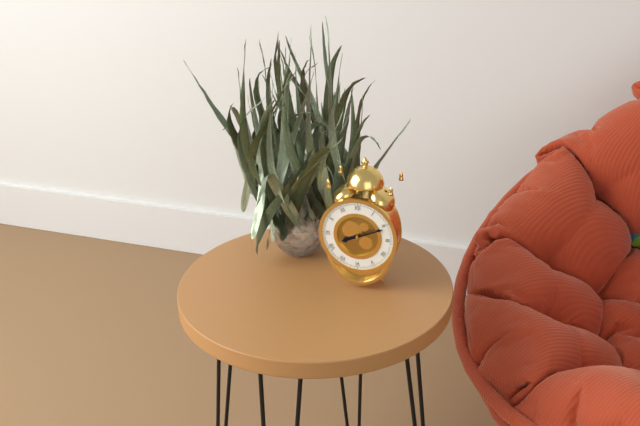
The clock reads h=8 m=11
